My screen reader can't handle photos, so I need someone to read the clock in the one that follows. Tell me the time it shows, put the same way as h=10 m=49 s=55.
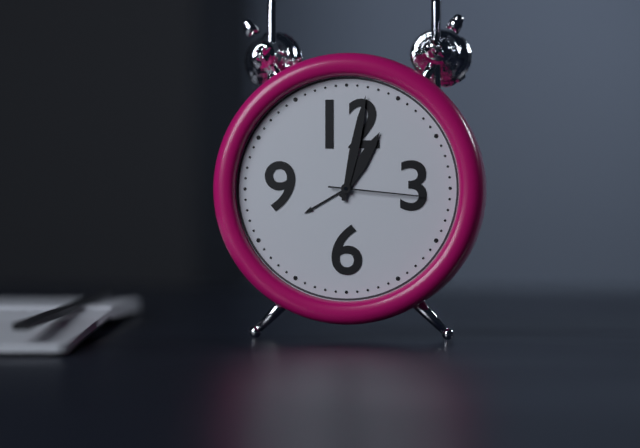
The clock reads h=1 m=2 s=16
